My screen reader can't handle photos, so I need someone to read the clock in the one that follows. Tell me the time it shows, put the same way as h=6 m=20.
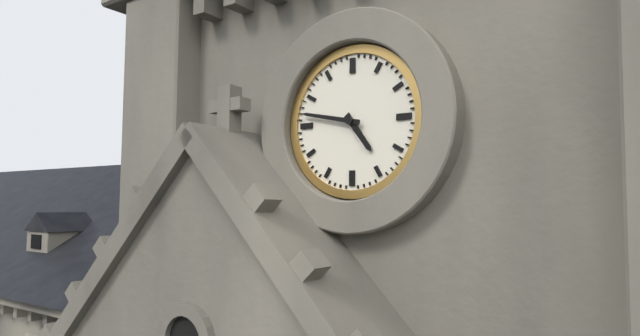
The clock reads h=4 m=47
